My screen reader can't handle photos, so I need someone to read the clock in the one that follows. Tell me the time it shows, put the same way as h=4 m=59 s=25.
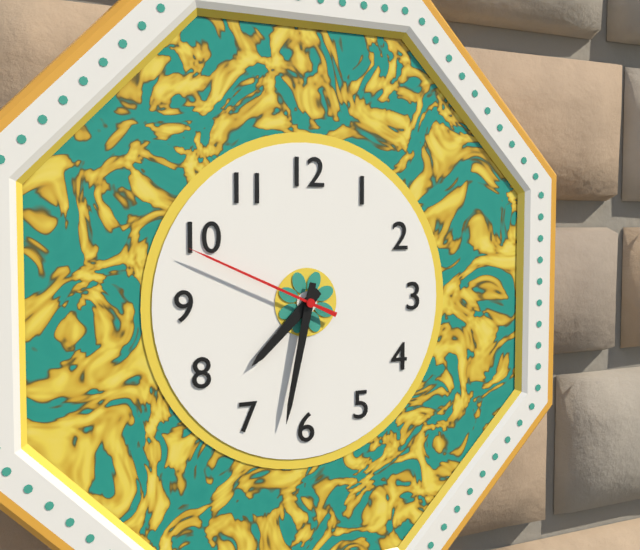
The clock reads h=7 m=32 s=49
